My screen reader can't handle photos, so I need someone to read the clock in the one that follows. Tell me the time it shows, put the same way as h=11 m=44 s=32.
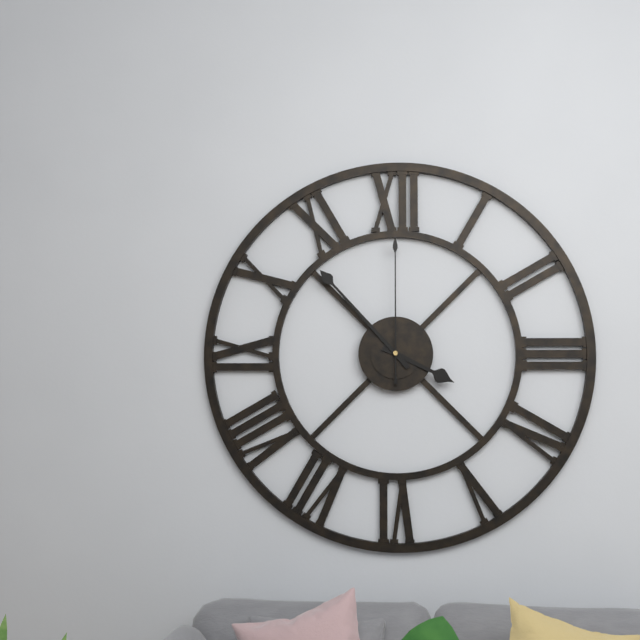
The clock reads h=3 m=53 s=0
